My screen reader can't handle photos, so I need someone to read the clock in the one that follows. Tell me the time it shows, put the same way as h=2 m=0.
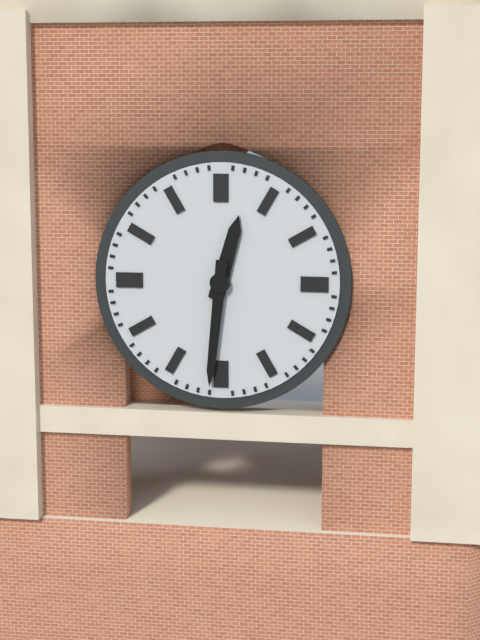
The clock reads h=12 m=31
